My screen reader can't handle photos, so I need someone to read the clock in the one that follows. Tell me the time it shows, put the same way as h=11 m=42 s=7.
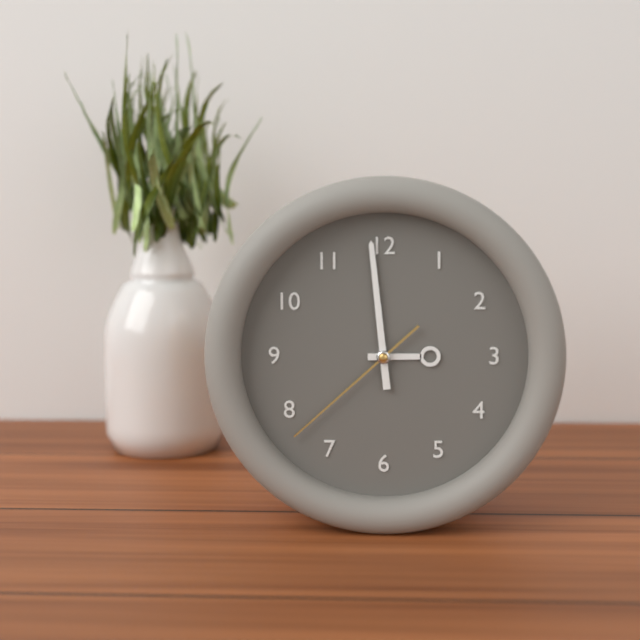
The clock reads h=2 m=59 s=38
